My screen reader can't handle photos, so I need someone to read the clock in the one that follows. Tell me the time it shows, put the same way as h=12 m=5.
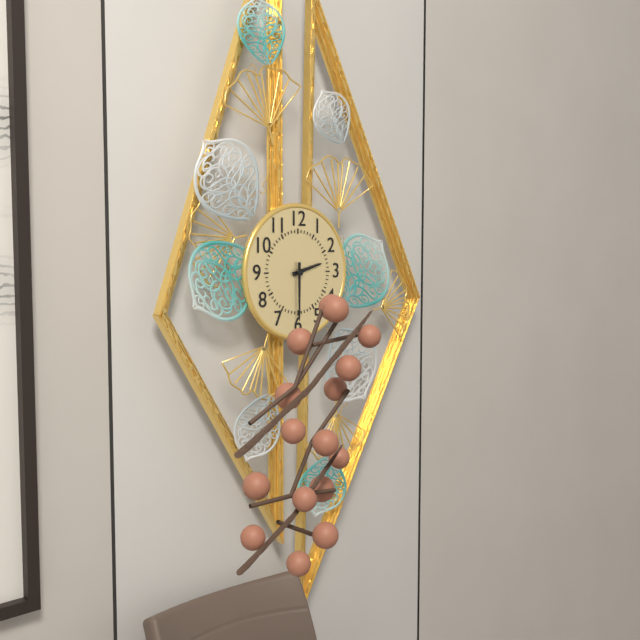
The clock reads h=2 m=30
